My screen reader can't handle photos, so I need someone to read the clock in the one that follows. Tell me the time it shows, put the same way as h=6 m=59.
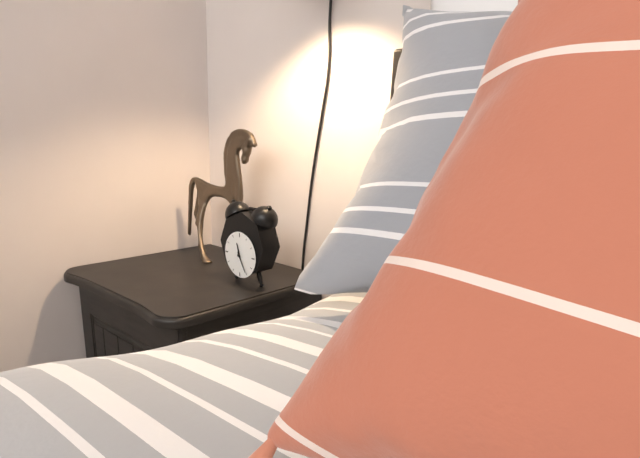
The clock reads h=11 m=25
